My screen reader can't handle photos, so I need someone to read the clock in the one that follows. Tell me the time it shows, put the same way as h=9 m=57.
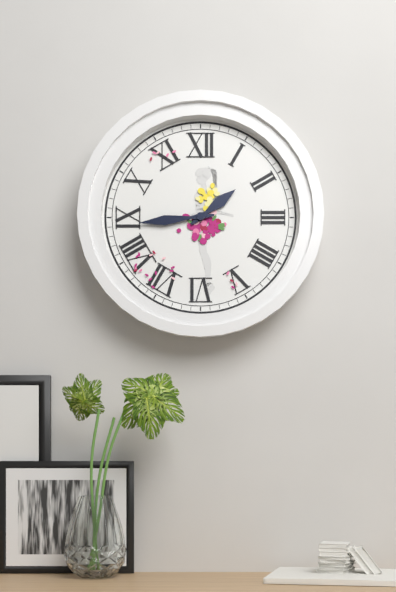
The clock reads h=1 m=44
